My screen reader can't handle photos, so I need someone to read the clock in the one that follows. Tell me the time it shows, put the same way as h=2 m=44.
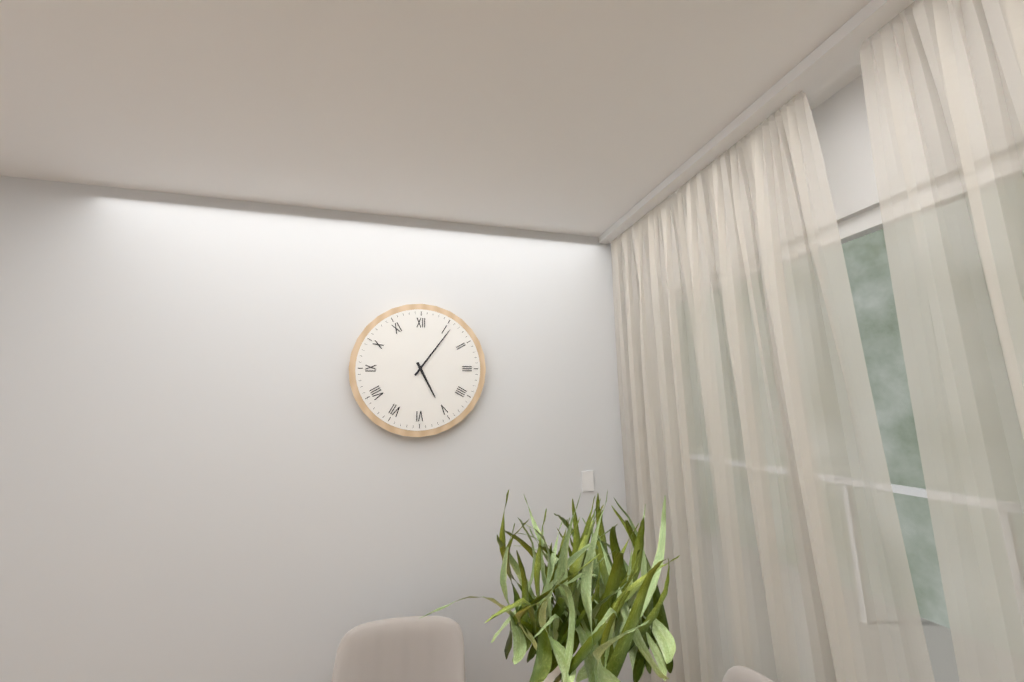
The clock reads h=5 m=6
